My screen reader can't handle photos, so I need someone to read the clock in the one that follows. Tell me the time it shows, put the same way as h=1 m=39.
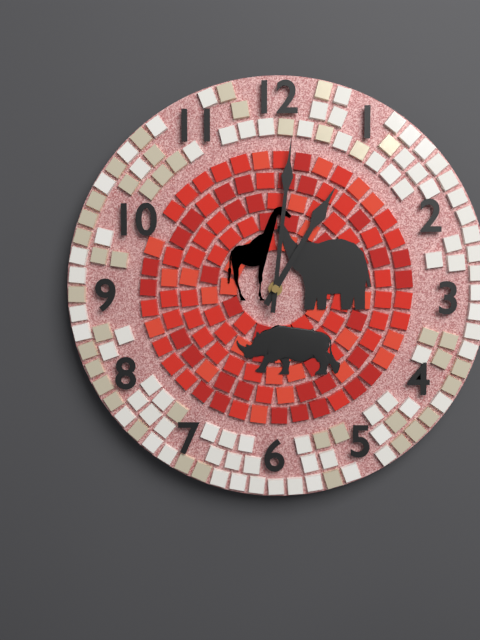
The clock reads h=1 m=1
